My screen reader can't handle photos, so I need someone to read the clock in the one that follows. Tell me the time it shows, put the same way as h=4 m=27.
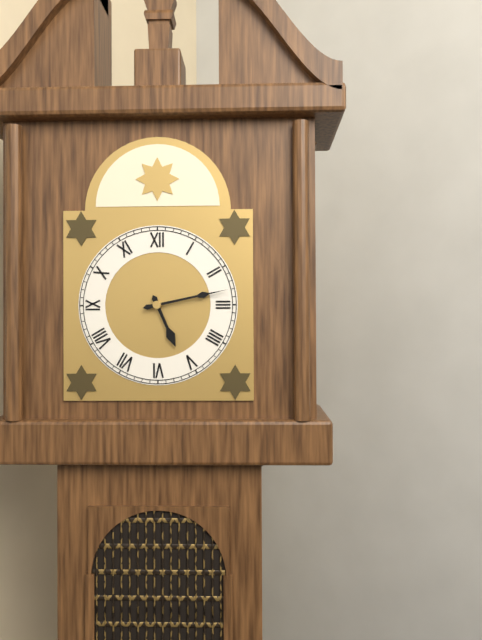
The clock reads h=5 m=13
